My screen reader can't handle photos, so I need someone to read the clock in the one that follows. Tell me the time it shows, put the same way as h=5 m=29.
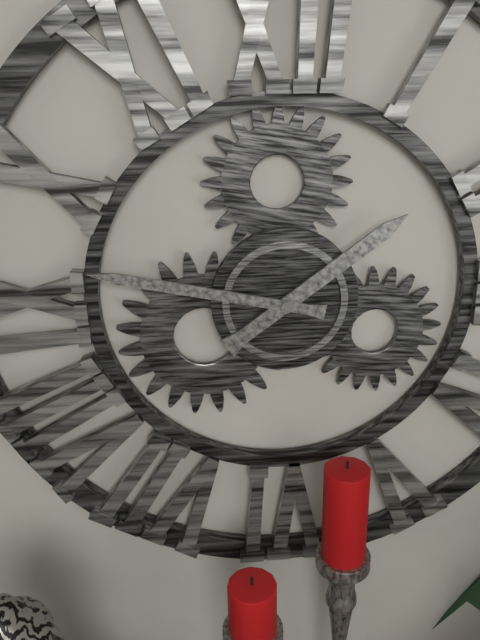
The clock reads h=1 m=47
